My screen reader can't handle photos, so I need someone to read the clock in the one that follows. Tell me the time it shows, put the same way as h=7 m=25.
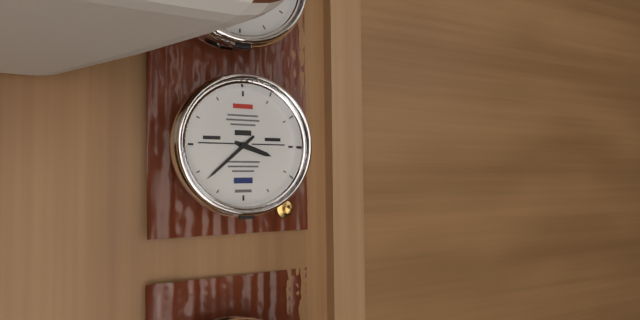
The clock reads h=3 m=38
